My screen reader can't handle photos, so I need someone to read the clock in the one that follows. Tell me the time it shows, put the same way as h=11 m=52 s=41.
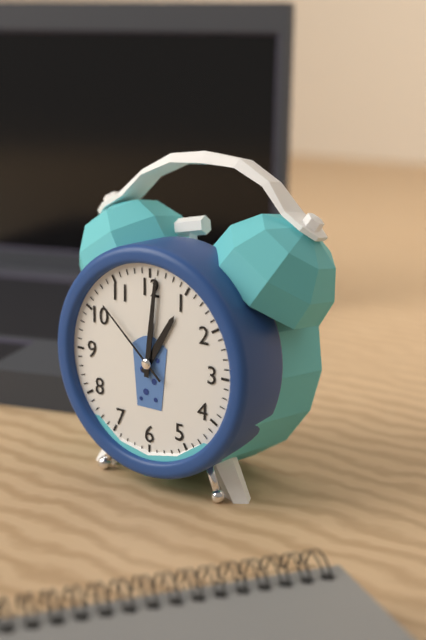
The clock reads h=1 m=1 s=52
